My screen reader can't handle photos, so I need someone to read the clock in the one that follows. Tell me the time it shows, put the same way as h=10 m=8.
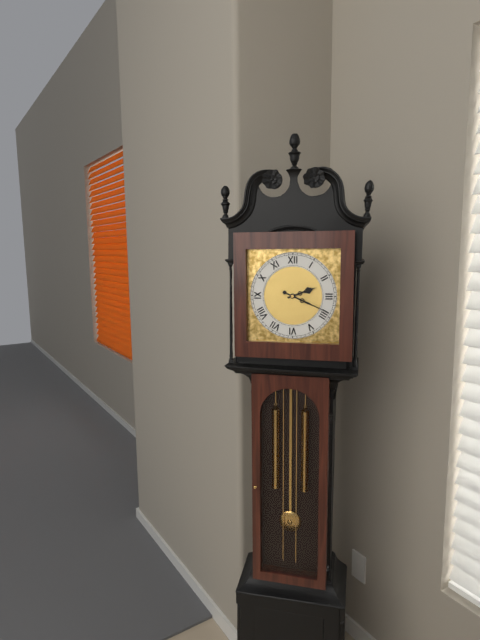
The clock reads h=2 m=19
